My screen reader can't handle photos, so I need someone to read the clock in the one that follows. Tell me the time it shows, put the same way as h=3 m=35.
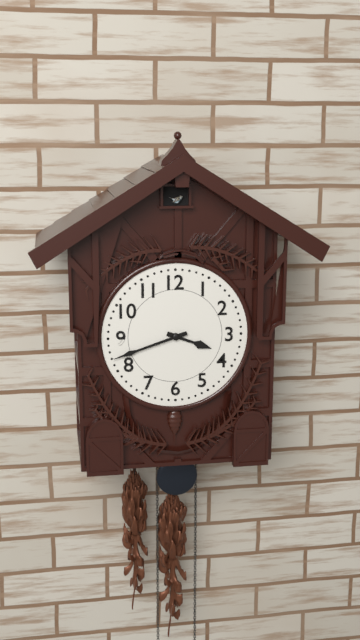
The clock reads h=3 m=42
